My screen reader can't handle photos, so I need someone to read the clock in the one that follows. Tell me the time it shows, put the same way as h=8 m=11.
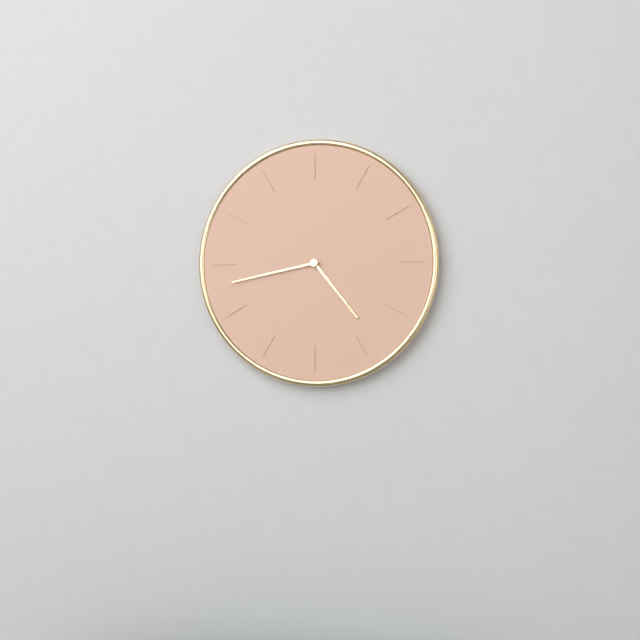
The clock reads h=4 m=43
